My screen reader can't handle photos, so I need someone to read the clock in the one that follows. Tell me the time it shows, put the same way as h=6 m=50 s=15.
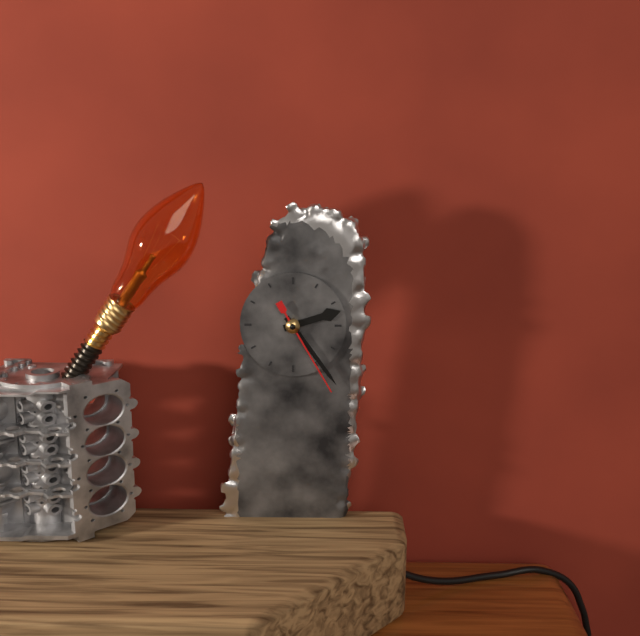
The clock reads h=2 m=24 s=25
